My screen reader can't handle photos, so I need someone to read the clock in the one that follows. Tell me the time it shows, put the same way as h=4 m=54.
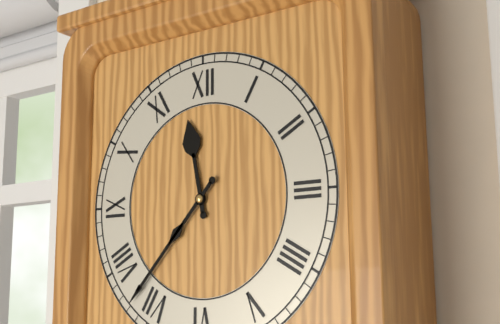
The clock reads h=11 m=37
